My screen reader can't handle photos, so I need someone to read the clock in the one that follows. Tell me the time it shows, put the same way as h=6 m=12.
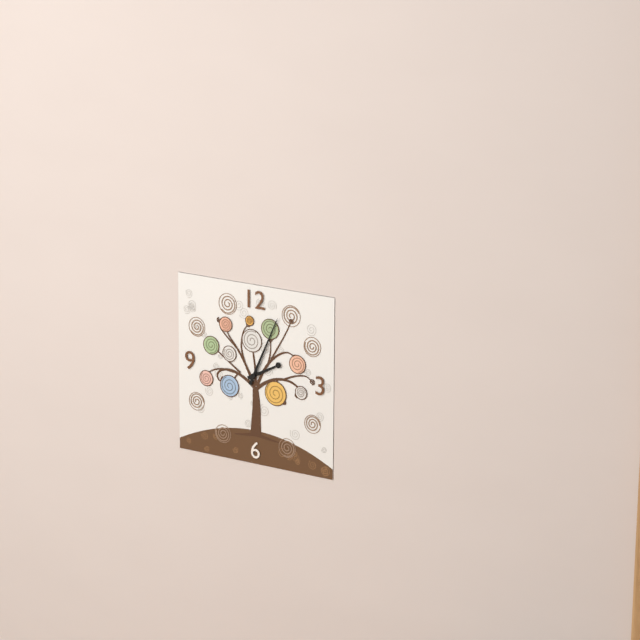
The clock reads h=2 m=4
